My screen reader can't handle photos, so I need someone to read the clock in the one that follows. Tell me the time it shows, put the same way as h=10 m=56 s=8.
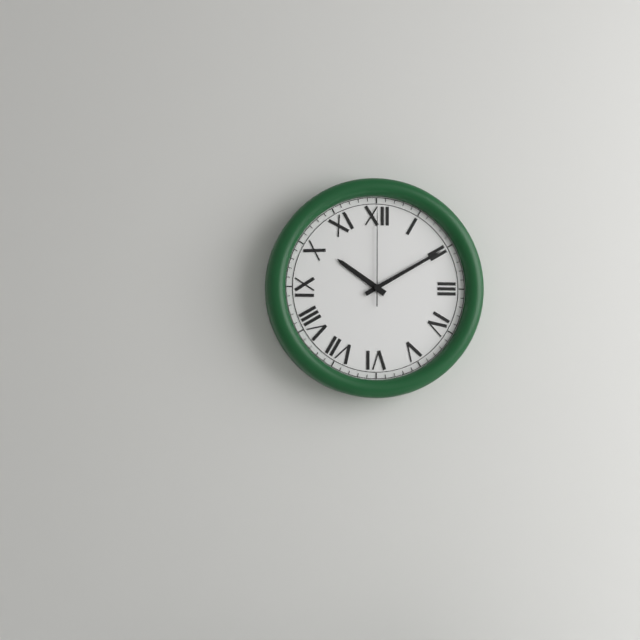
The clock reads h=10 m=10 s=0
